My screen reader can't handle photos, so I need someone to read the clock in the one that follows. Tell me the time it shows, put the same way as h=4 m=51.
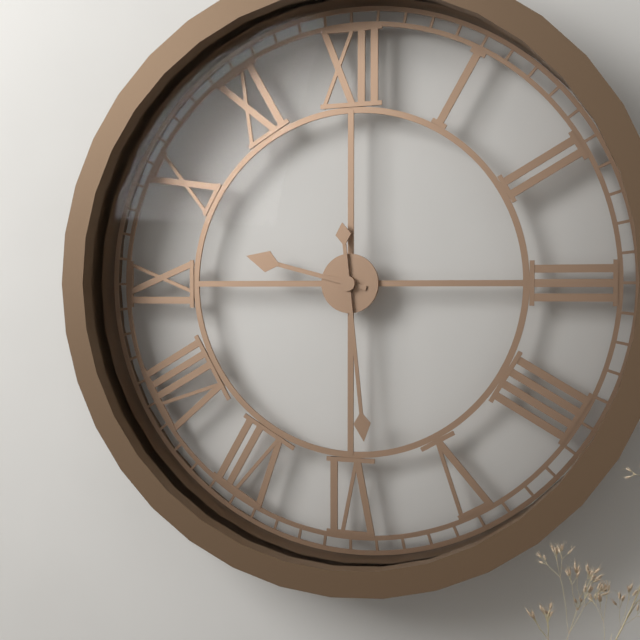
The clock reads h=9 m=29
